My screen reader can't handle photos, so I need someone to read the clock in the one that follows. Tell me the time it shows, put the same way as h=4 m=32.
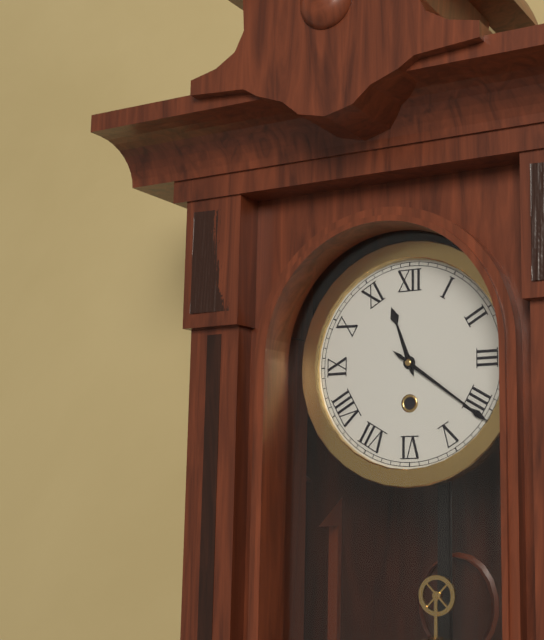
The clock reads h=11 m=21
